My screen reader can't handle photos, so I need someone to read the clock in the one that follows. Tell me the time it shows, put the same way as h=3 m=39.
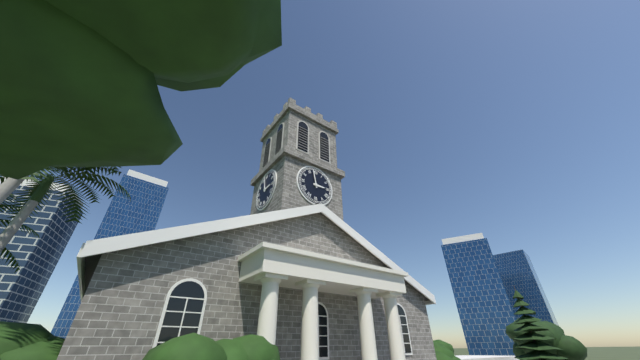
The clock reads h=2 m=58
